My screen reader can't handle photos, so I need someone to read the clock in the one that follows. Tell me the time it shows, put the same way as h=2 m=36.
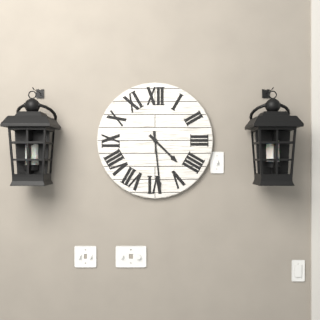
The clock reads h=4 m=29
